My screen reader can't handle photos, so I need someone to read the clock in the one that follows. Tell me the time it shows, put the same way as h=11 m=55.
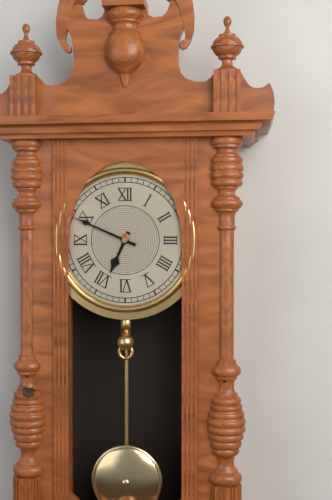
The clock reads h=6 m=49
